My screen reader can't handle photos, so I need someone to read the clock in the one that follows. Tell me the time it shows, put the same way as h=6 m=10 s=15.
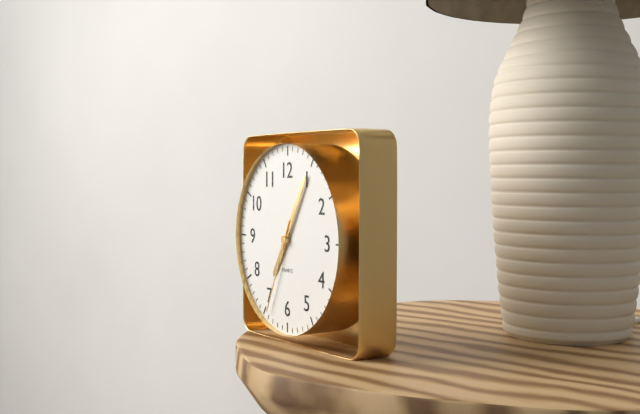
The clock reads h=7 m=5 s=34
